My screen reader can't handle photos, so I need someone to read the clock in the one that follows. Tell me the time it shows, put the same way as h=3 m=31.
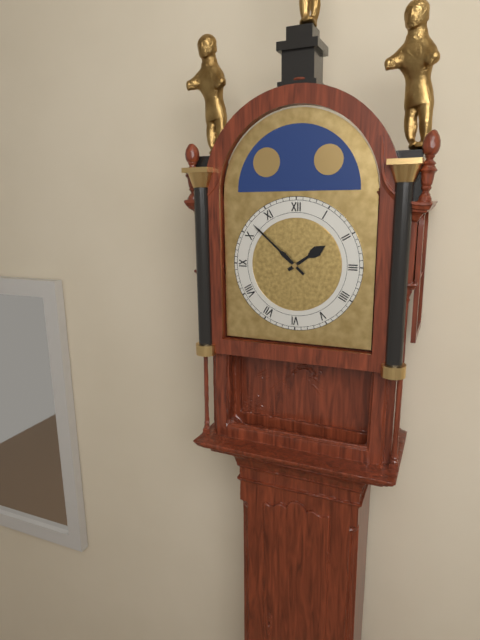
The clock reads h=1 m=52
